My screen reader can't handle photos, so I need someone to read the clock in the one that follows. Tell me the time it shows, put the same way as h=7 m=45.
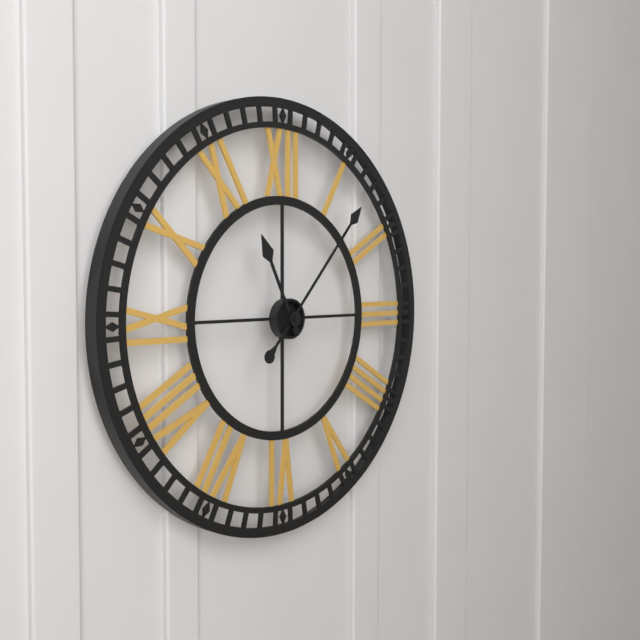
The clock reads h=11 m=7
